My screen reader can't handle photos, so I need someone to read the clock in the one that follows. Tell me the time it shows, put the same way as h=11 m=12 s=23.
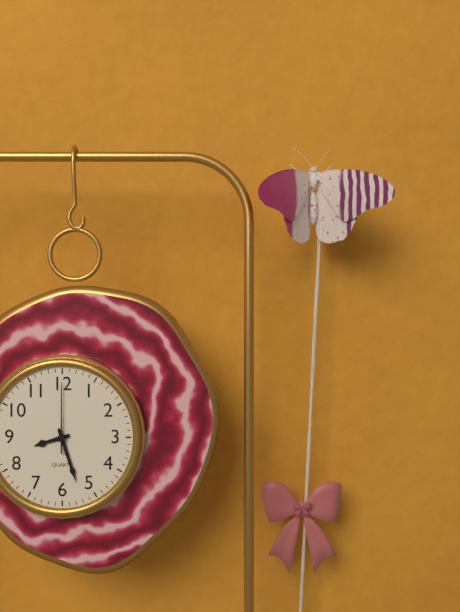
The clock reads h=8 m=27 s=0
